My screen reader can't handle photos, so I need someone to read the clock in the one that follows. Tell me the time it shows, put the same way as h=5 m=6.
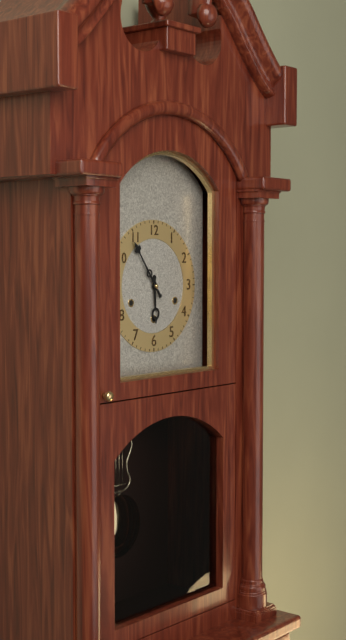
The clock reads h=5 m=54
